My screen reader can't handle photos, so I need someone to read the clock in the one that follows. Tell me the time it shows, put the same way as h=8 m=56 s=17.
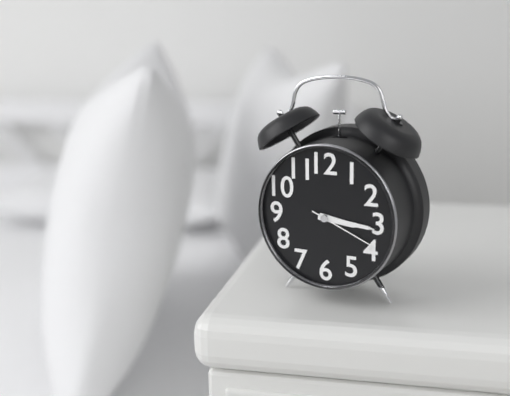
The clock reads h=3 m=16 s=19
